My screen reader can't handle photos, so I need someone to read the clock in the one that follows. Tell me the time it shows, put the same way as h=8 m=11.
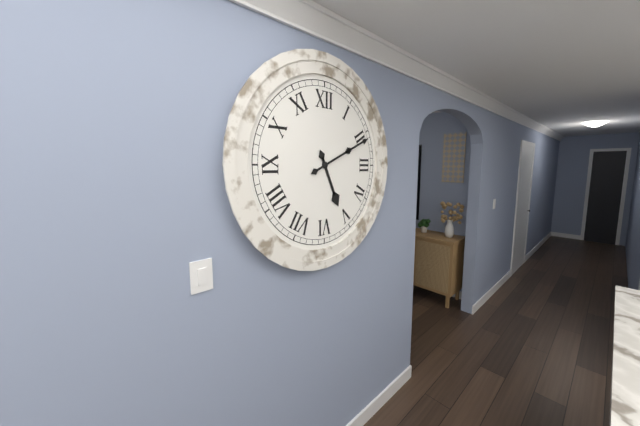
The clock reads h=5 m=11
